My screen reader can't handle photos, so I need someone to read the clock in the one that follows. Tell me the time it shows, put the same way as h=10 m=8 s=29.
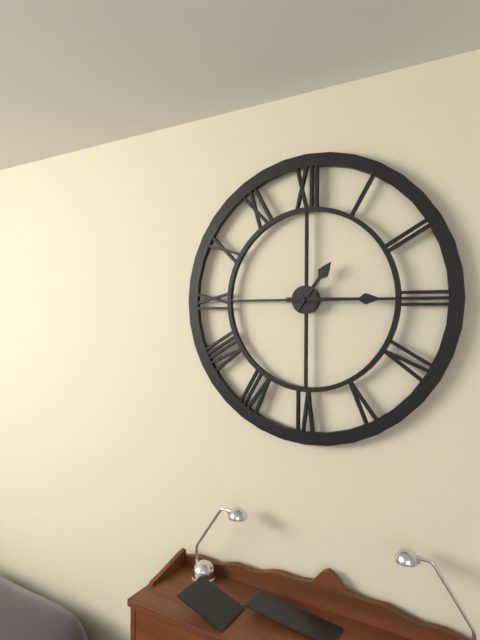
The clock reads h=1 m=15 s=15
